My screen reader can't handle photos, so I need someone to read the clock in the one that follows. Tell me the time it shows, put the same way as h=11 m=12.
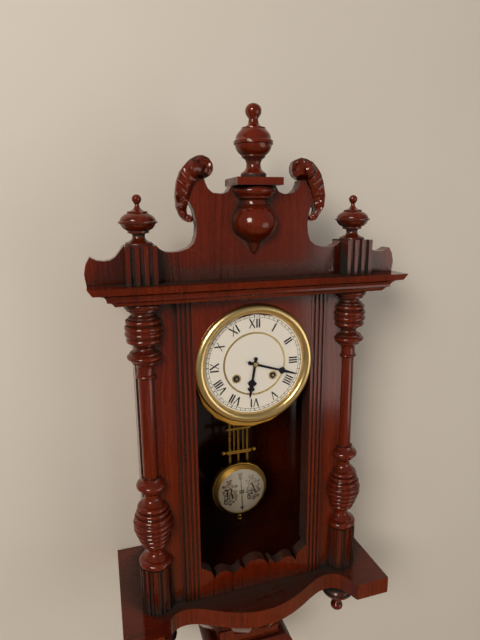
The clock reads h=6 m=18
